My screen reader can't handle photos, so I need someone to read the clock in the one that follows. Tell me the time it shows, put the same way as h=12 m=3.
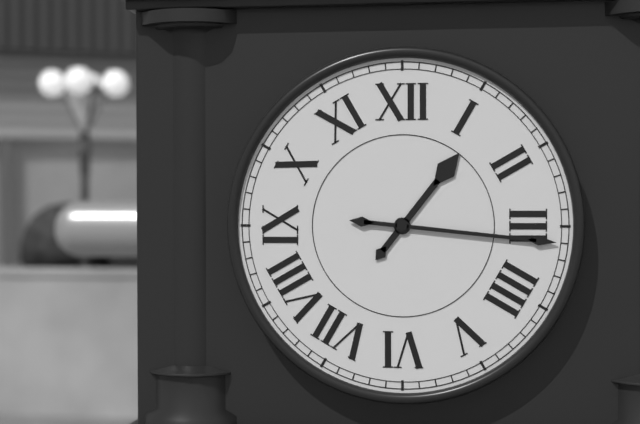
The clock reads h=1 m=16
